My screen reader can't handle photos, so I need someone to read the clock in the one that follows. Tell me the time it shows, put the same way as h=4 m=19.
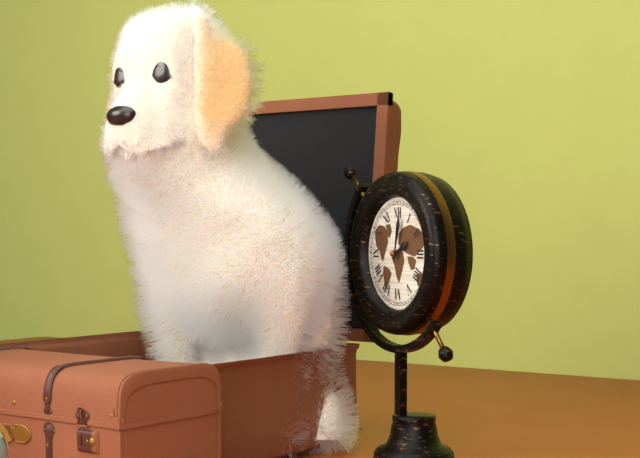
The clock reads h=2 m=2
